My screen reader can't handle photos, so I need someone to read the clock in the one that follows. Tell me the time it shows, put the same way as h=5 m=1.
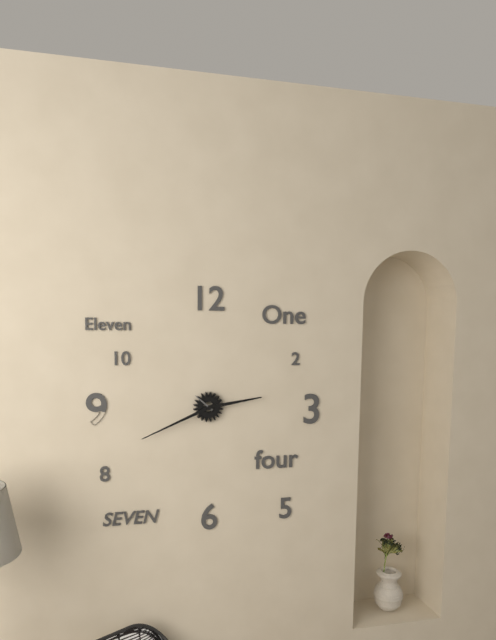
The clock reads h=2 m=41
